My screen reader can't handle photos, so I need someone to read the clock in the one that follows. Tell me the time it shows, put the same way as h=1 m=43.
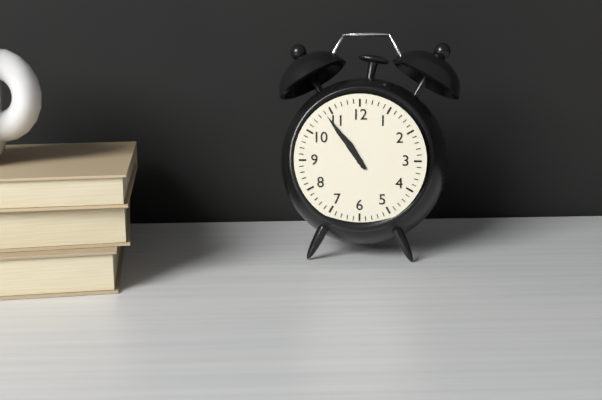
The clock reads h=10 m=54
